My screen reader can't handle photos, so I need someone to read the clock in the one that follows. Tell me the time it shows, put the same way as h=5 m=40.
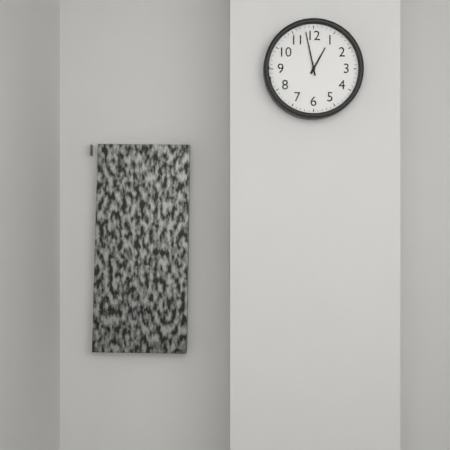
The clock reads h=12 m=58
